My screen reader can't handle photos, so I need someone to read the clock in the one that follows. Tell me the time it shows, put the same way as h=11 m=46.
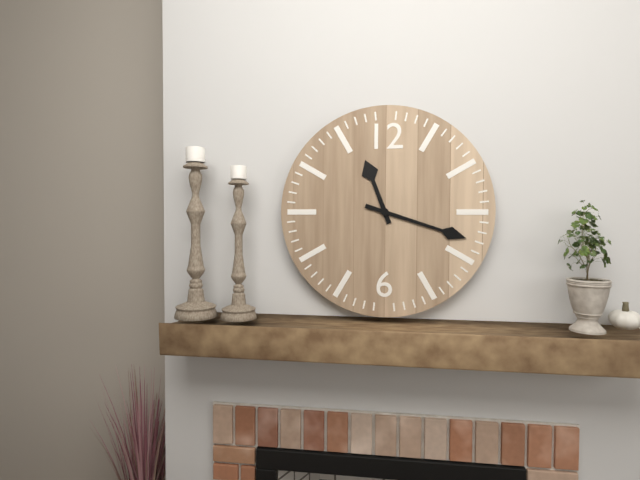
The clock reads h=11 m=18
